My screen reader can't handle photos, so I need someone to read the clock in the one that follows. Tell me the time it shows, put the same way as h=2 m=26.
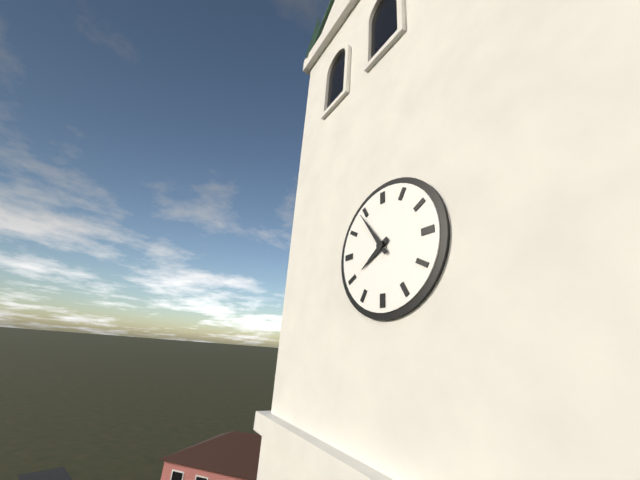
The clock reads h=7 m=54
